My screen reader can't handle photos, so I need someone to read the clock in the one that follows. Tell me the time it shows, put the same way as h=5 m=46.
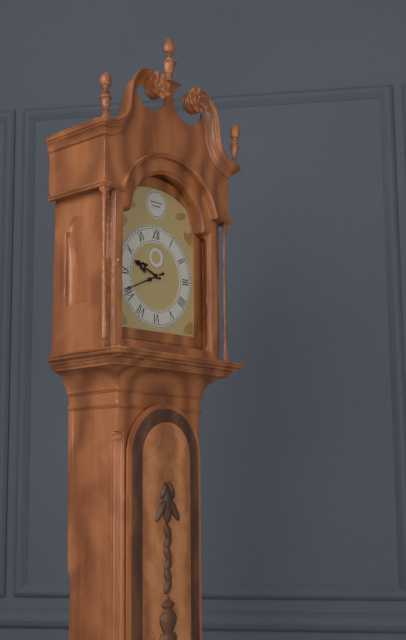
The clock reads h=9 m=41
